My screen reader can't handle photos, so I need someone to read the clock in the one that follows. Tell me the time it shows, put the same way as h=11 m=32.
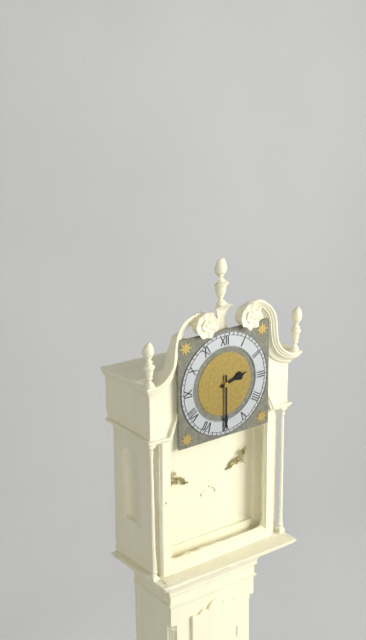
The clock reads h=2 m=30
